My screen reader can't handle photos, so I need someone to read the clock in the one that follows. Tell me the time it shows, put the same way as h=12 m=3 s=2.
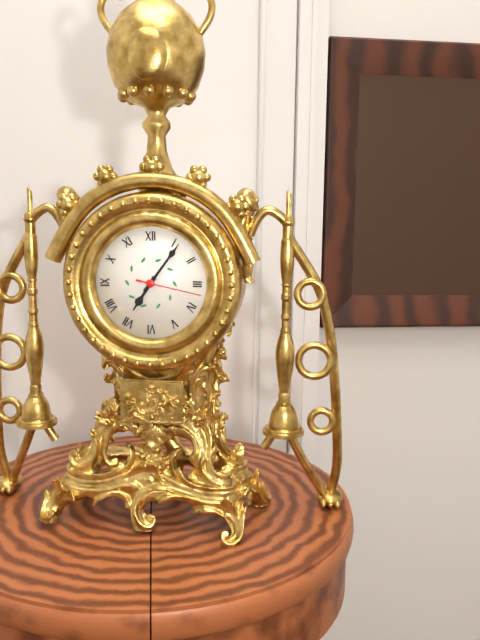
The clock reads h=7 m=6 s=17
